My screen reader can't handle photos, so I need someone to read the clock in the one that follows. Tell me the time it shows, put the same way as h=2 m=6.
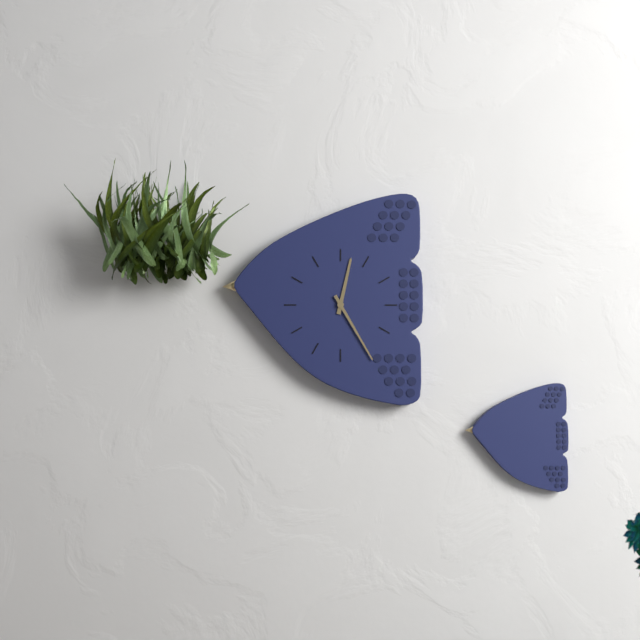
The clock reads h=12 m=25
